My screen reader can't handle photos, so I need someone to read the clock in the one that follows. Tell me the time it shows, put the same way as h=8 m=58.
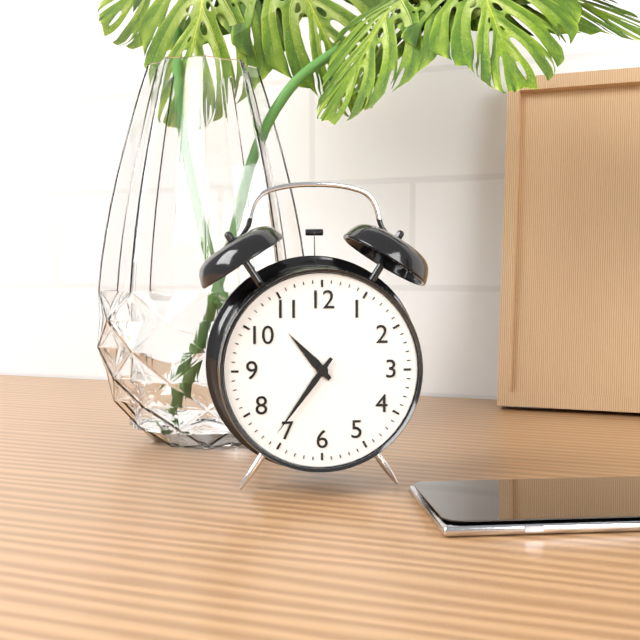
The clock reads h=10 m=36
